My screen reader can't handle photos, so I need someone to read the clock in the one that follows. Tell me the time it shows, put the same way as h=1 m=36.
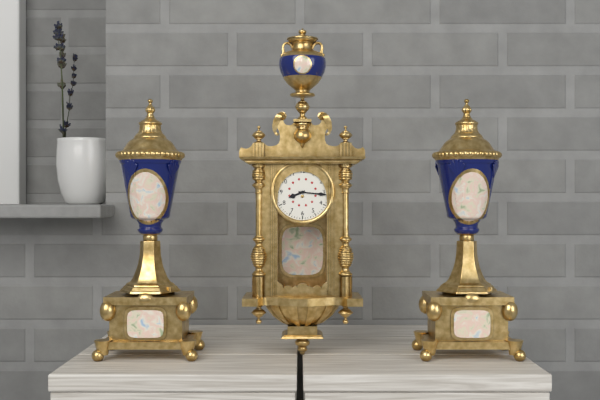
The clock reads h=8 m=16
